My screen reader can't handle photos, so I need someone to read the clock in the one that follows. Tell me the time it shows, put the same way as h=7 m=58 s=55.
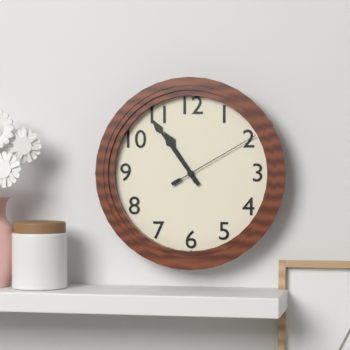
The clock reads h=10 m=54 s=10
